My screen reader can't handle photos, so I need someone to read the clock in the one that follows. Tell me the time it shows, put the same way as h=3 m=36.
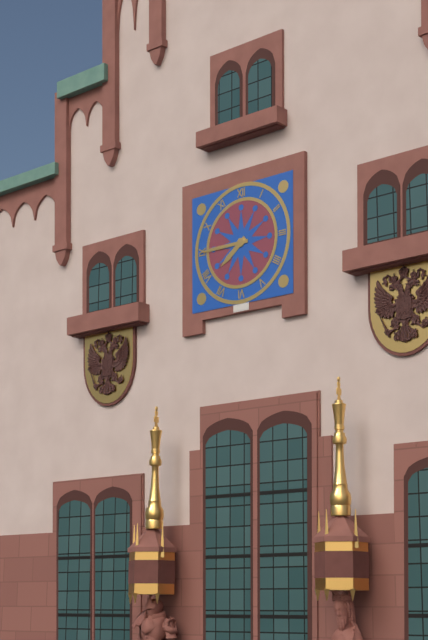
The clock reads h=7 m=45
